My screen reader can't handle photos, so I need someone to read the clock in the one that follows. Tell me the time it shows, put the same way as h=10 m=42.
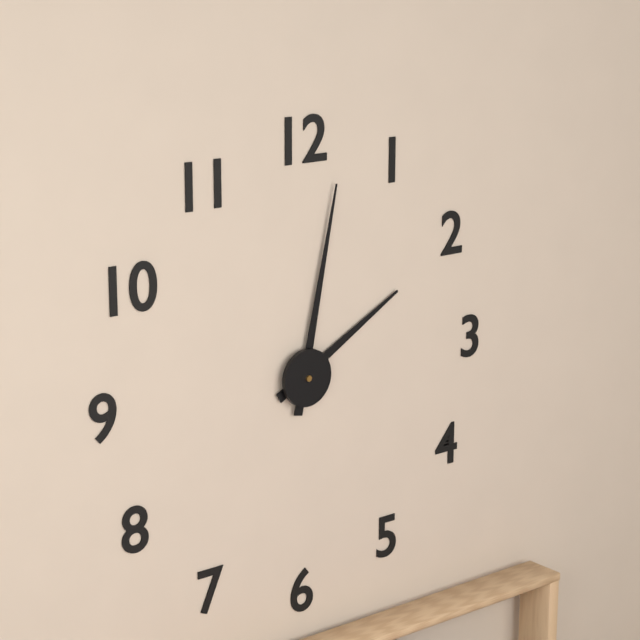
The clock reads h=2 m=2
